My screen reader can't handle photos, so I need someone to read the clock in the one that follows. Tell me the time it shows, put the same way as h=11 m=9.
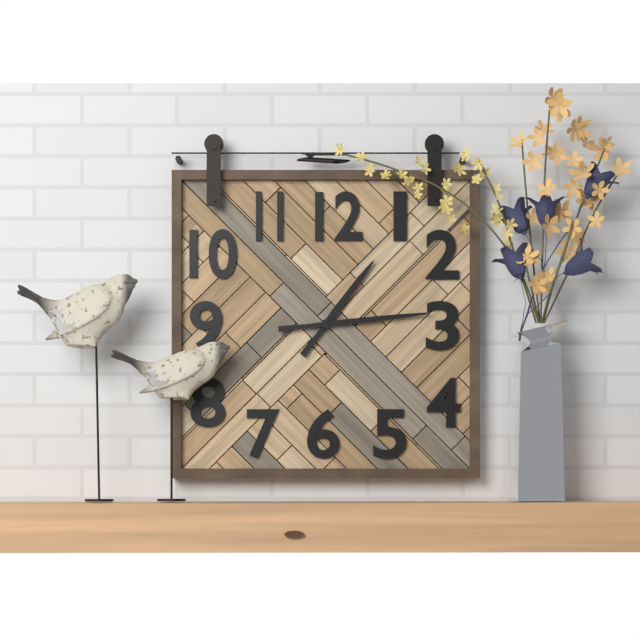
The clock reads h=1 m=14
